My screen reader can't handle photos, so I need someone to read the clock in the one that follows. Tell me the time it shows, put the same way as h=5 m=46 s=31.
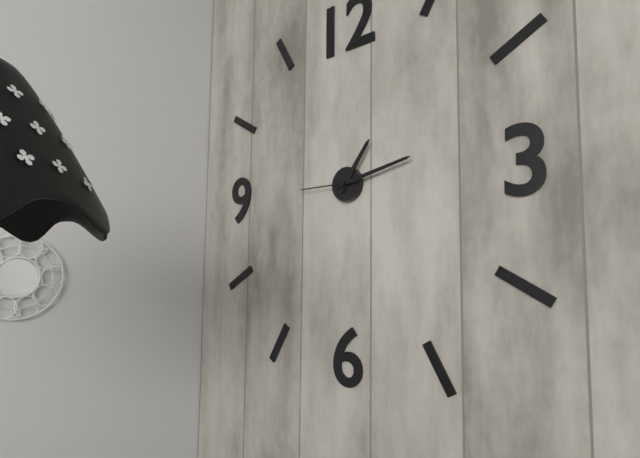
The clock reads h=1 m=13 s=45
